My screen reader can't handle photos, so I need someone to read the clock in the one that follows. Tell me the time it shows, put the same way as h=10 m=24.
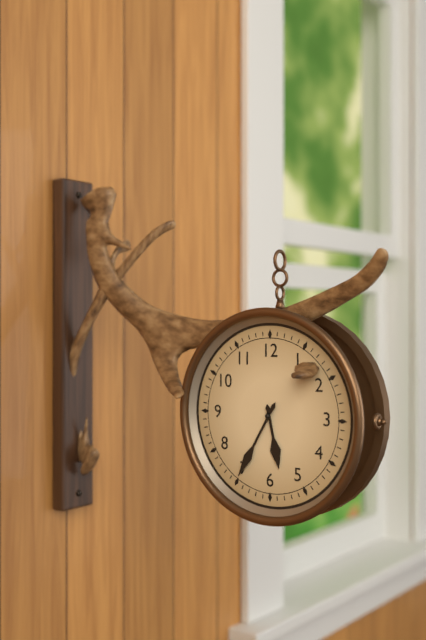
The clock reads h=5 m=35
